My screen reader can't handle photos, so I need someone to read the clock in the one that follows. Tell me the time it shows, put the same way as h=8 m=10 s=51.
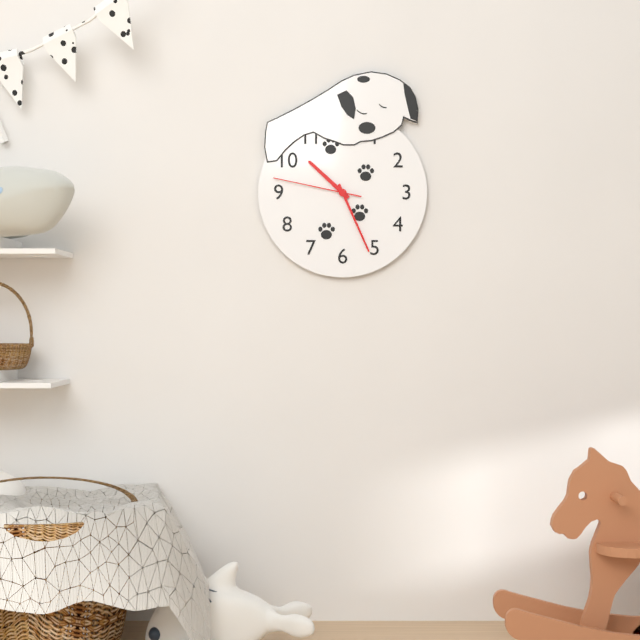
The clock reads h=10 m=26 s=47
